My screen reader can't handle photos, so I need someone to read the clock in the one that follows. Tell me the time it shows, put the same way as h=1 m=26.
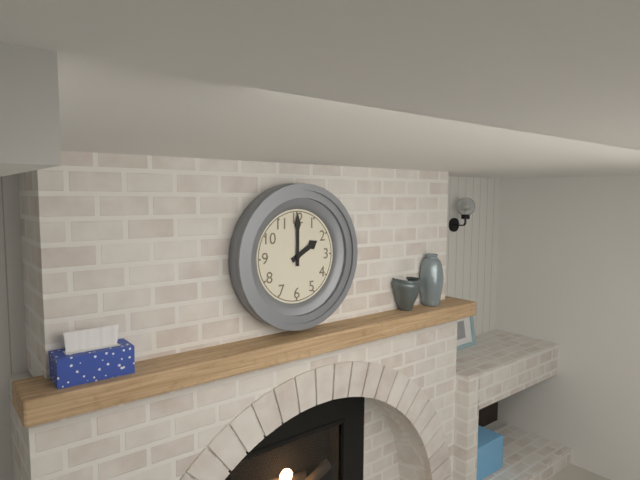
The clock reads h=2 m=0
